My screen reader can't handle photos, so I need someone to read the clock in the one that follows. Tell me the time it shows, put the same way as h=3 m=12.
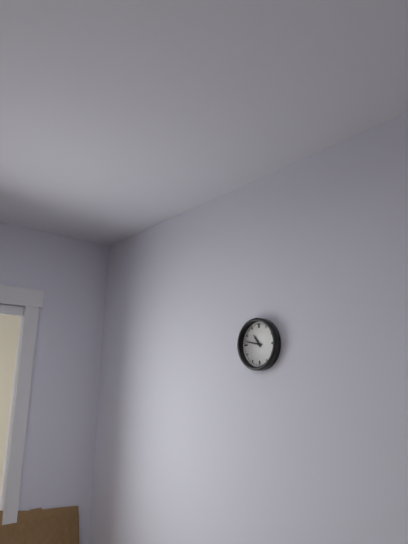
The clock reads h=10 m=47
